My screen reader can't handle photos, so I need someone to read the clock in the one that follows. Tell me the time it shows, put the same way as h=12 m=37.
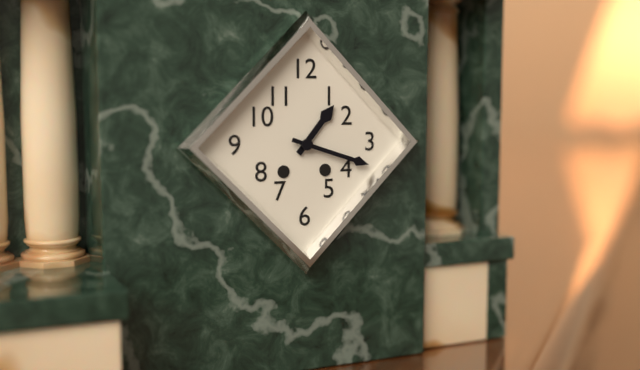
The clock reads h=1 m=18
